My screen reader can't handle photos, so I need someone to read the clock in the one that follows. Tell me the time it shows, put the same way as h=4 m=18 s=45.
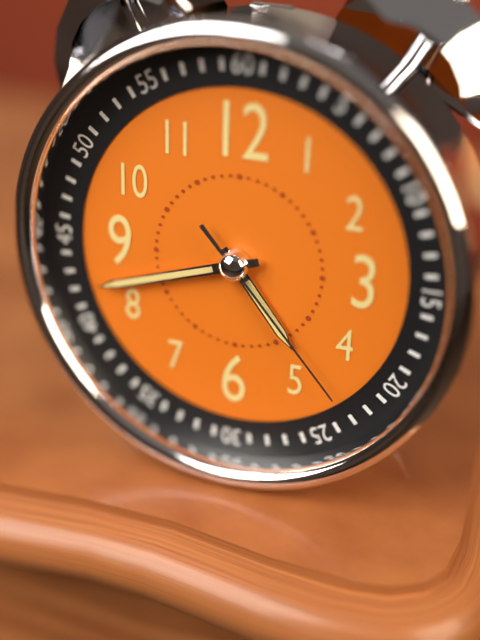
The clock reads h=4 m=42 s=23
